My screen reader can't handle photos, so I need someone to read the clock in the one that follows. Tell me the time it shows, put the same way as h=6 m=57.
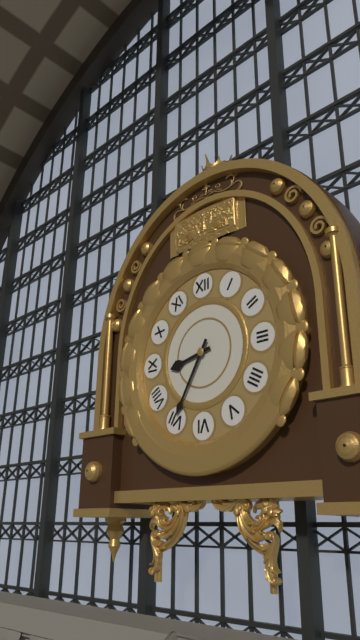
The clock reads h=8 m=35
